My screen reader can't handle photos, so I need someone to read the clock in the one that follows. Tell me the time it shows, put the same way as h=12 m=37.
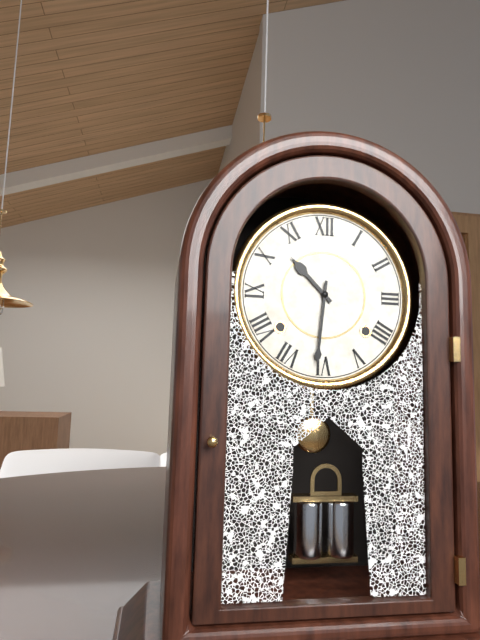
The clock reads h=10 m=31
